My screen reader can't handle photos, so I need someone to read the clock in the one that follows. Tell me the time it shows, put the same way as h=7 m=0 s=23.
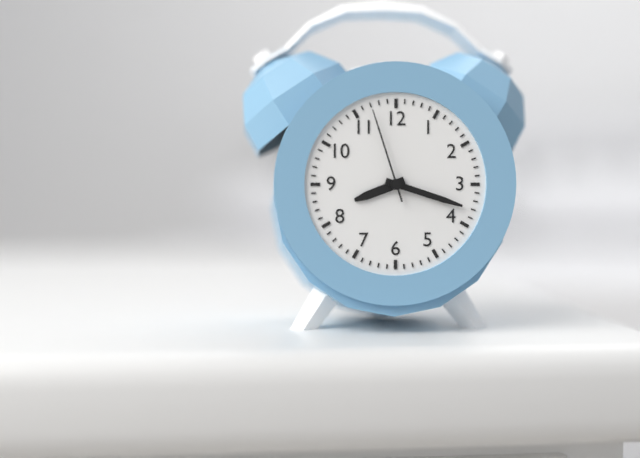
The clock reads h=8 m=18 s=57
